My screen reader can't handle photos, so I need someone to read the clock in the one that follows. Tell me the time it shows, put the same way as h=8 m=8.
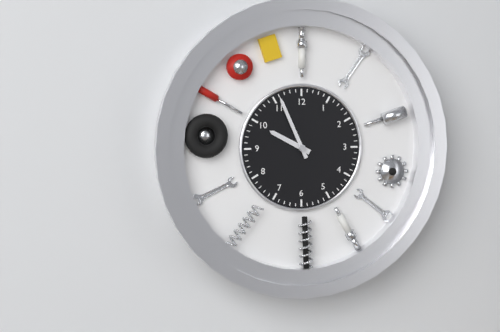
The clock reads h=9 m=56
